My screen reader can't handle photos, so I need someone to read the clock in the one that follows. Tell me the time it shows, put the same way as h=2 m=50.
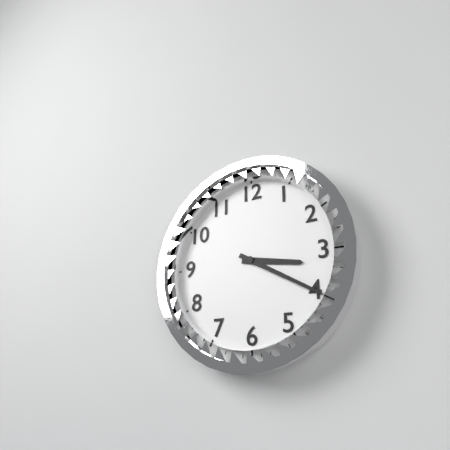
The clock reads h=3 m=20
